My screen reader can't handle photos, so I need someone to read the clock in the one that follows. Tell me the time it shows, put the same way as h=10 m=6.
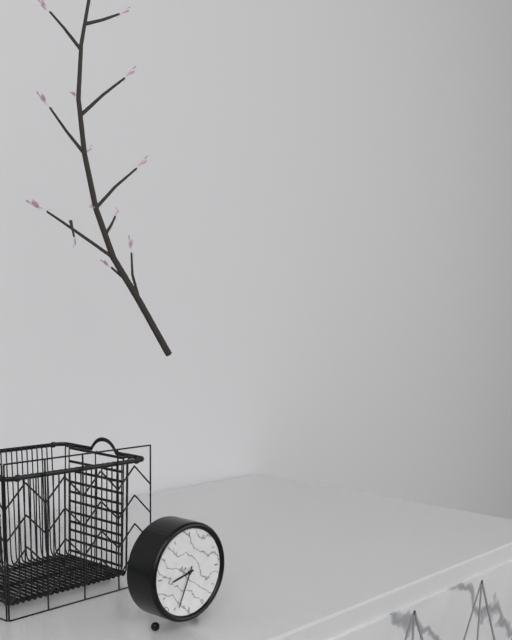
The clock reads h=8 m=34
